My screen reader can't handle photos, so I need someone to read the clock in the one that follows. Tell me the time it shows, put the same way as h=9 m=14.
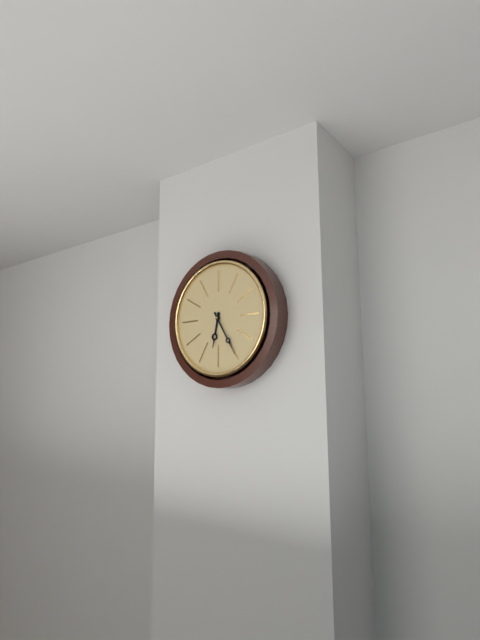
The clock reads h=6 m=25
